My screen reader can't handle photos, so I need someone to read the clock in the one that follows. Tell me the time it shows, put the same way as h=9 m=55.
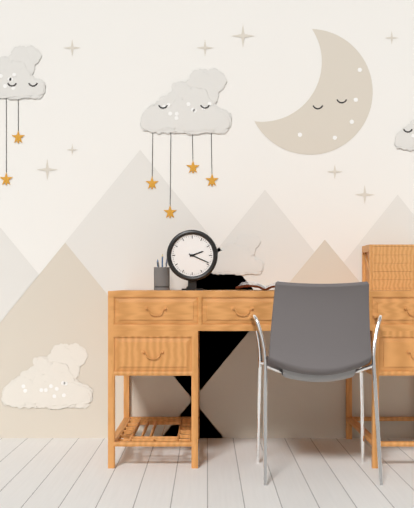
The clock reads h=2 m=19
